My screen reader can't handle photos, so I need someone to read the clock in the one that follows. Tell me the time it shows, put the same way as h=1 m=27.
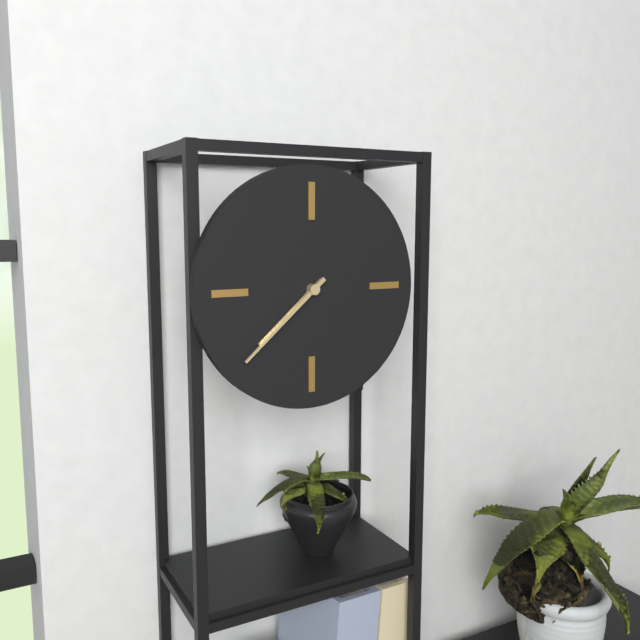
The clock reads h=7 m=38
